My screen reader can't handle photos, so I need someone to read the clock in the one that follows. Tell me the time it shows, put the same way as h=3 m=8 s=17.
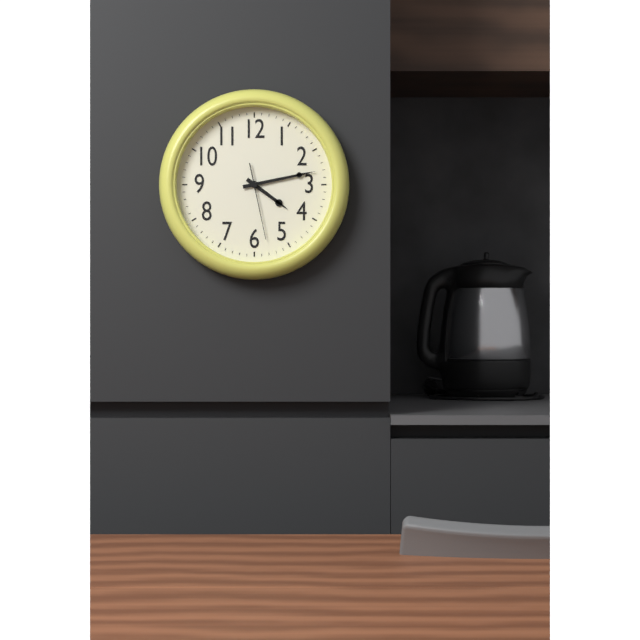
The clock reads h=4 m=13 s=28
